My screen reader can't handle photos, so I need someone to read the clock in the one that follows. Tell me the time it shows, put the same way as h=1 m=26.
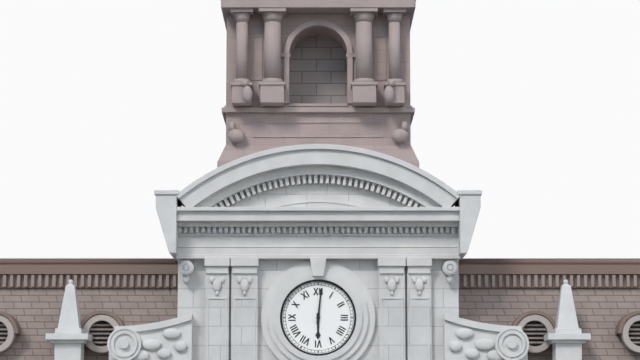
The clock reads h=6 m=1
